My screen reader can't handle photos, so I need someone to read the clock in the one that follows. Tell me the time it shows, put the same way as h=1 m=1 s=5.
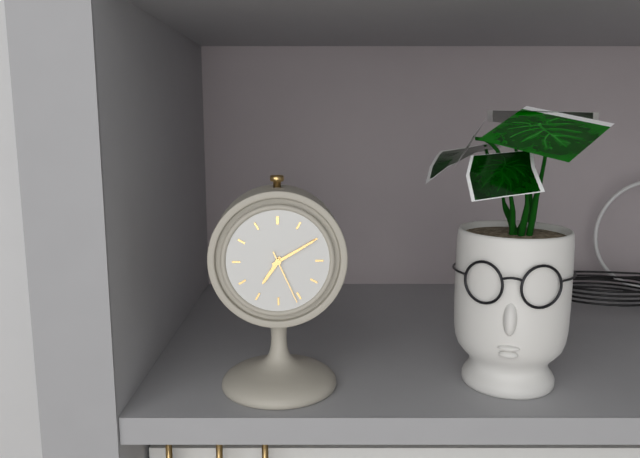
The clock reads h=7 m=10 s=26
